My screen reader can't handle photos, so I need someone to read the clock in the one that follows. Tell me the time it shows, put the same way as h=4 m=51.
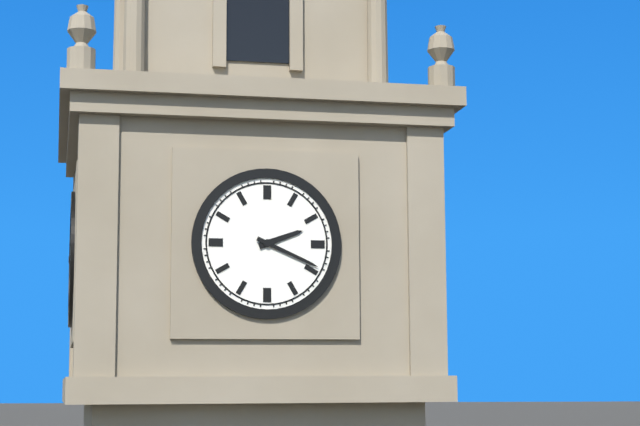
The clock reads h=2 m=19
